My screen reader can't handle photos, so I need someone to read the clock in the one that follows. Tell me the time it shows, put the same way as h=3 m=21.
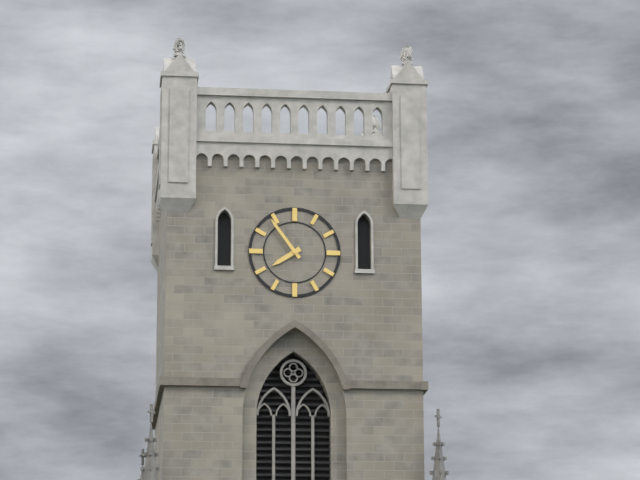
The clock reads h=7 m=54
